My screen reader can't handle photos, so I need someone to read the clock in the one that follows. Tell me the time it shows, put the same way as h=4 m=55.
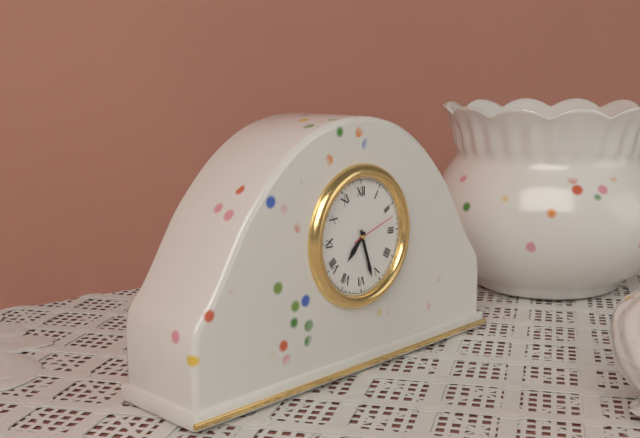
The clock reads h=7 m=27
